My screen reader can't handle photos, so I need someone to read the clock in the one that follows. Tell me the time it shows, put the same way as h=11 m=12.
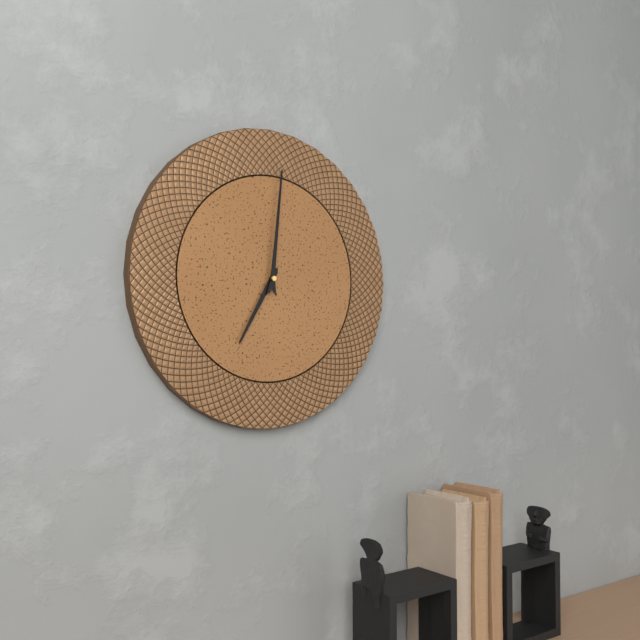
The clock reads h=7 m=1
